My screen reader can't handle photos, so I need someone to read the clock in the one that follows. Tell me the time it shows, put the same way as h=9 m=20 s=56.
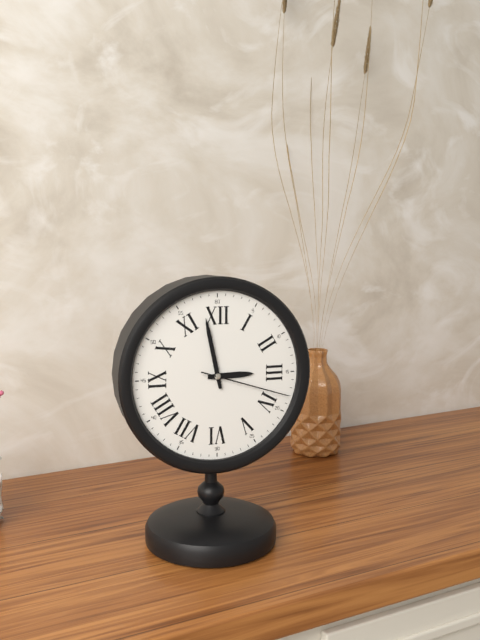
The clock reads h=2 m=58 s=18
